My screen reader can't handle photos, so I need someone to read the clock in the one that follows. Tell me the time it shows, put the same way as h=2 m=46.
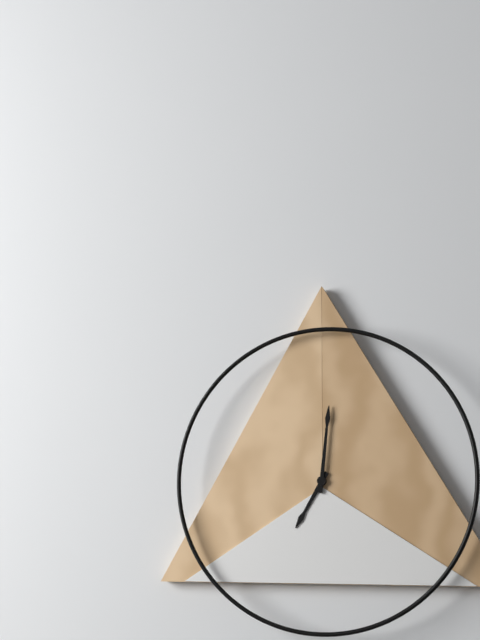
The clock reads h=7 m=1
